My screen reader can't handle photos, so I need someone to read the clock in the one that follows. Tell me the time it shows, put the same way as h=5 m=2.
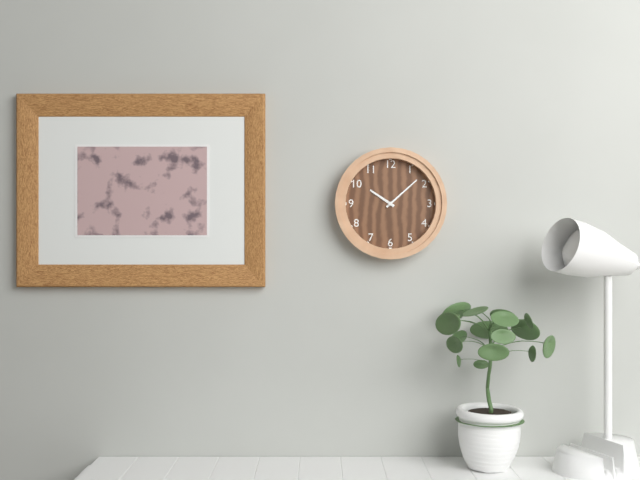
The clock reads h=10 m=8
